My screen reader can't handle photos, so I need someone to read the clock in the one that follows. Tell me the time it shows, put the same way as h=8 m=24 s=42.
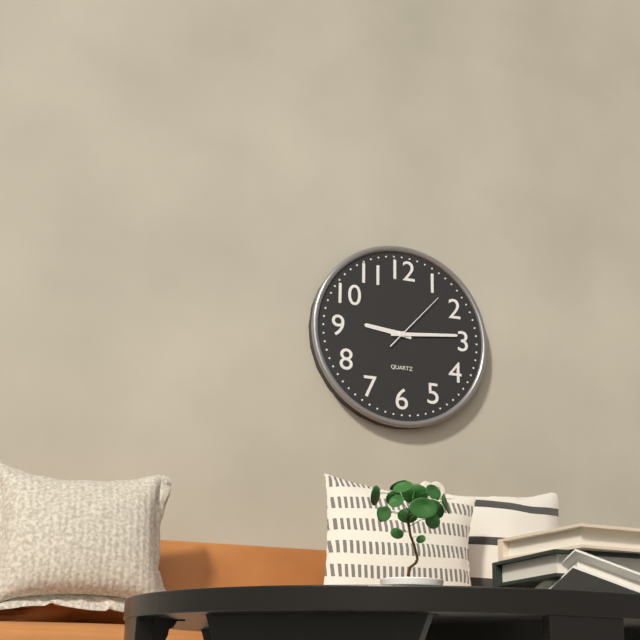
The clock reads h=9 m=14 s=7
